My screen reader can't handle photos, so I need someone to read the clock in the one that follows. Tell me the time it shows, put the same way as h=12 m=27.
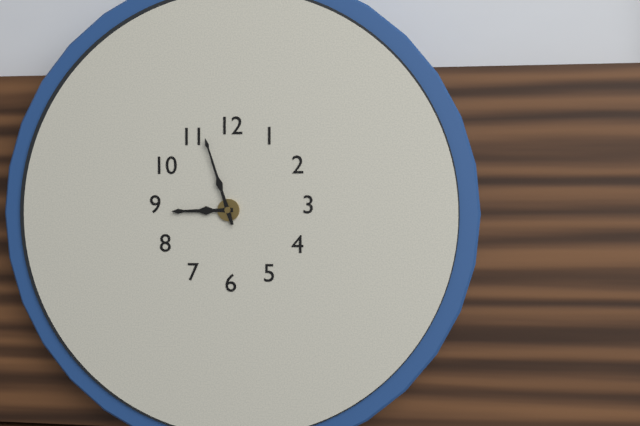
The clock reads h=8 m=57
